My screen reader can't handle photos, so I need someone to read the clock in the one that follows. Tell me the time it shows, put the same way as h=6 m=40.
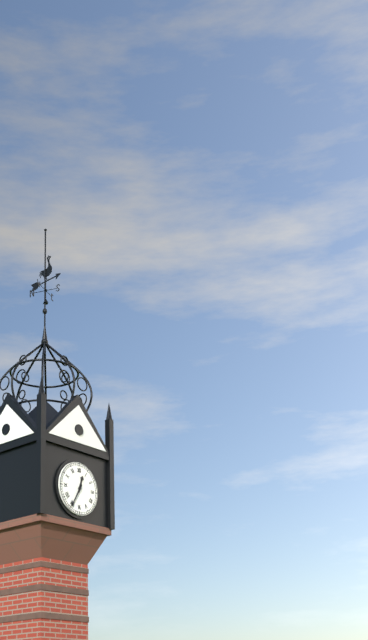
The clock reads h=12 m=35
